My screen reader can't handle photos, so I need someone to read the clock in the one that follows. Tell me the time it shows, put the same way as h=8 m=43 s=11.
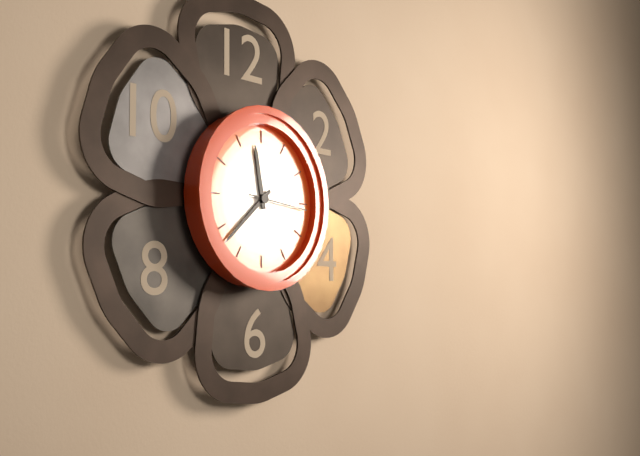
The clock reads h=11 m=38 s=16
